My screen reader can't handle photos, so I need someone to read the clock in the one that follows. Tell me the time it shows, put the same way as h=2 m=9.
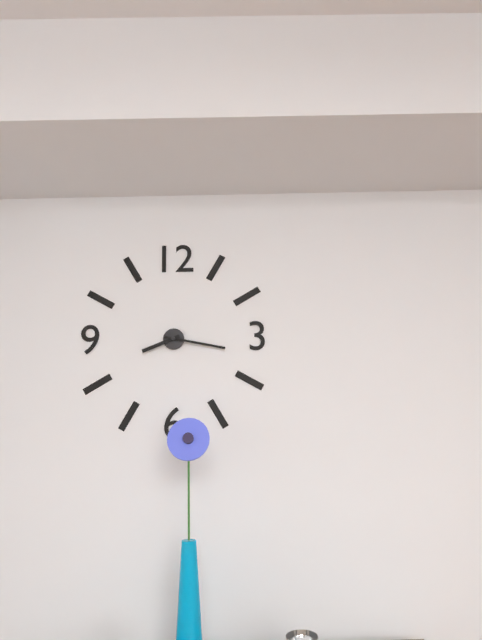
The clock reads h=8 m=17
